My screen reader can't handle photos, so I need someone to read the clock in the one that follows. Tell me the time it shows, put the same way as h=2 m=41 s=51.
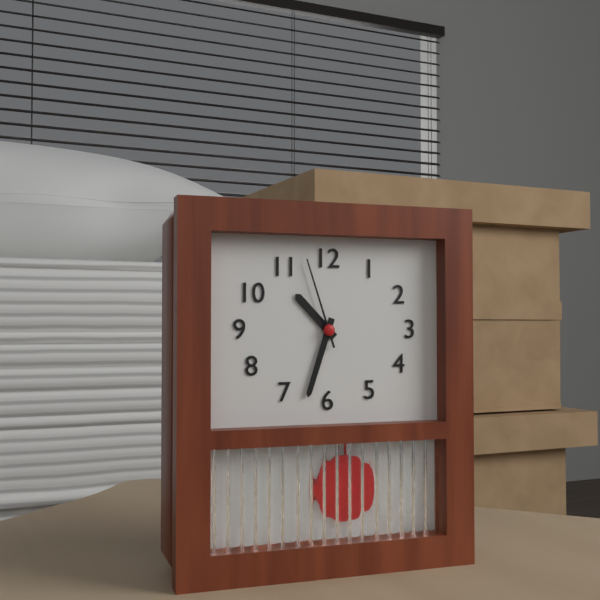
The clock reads h=10 m=33 s=57
